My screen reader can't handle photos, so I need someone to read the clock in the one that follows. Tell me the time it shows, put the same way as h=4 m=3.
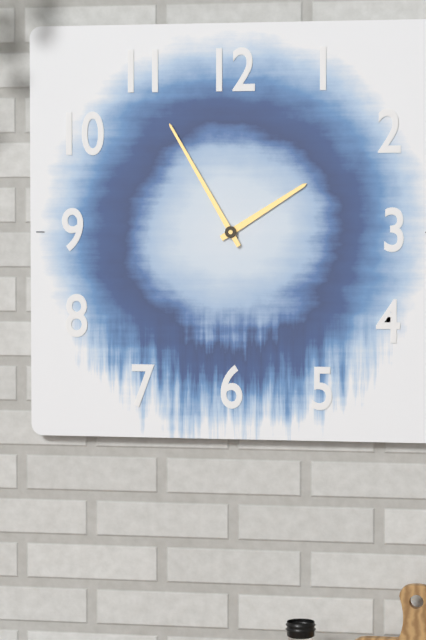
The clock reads h=1 m=55
